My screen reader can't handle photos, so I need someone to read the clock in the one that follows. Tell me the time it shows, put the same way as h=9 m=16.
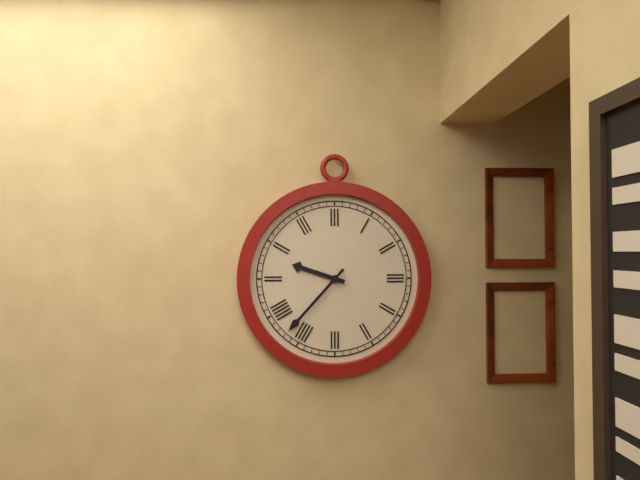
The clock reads h=9 m=37
